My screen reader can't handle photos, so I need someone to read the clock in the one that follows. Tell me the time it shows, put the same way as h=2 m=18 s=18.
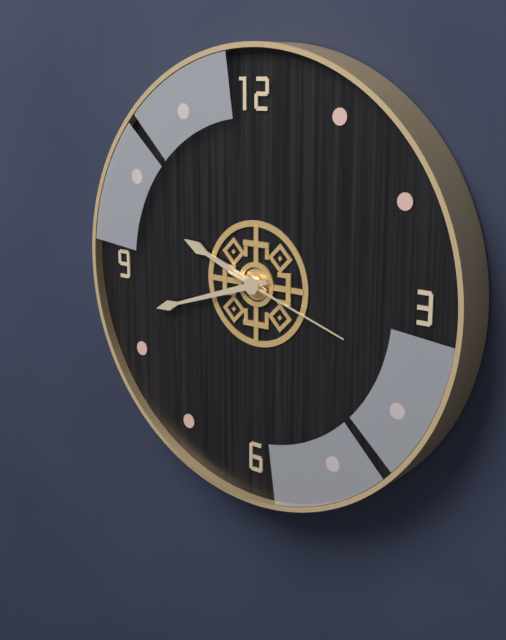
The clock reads h=9 m=42 s=18
